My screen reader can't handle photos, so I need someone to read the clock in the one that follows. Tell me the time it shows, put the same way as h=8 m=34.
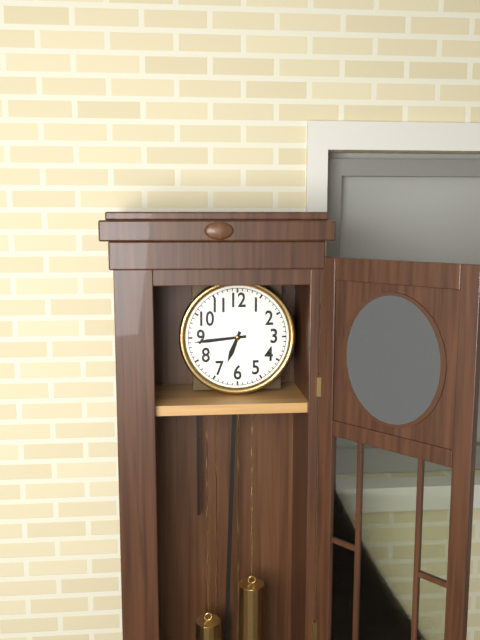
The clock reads h=6 m=44
